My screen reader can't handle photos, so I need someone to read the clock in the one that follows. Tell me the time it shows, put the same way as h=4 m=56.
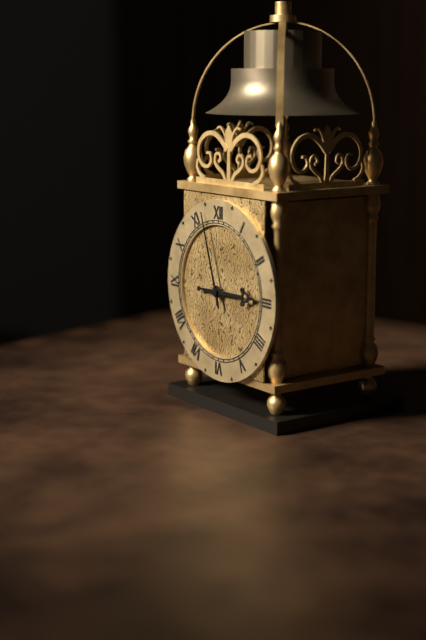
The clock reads h=2 m=57
